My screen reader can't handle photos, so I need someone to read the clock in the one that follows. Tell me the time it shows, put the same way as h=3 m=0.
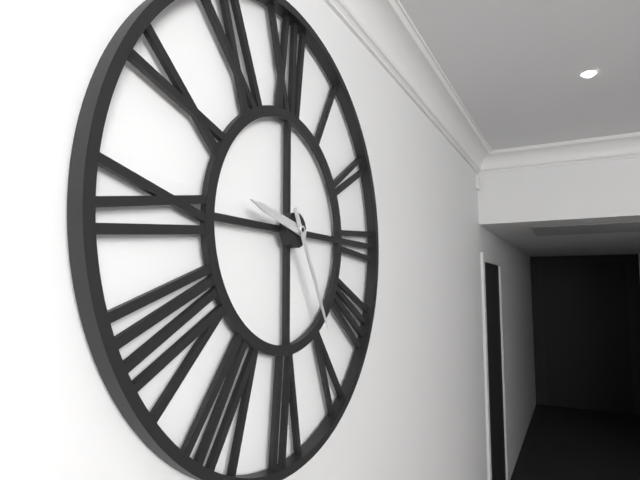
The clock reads h=9 m=25
